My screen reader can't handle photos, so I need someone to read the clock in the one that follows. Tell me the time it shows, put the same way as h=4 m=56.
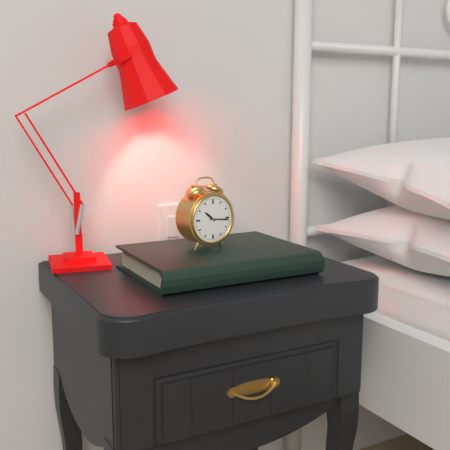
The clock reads h=10 m=16
